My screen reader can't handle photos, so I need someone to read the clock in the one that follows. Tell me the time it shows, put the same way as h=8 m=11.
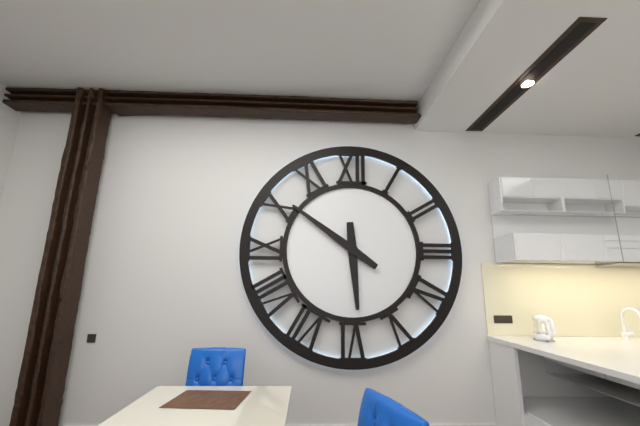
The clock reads h=5 m=51
